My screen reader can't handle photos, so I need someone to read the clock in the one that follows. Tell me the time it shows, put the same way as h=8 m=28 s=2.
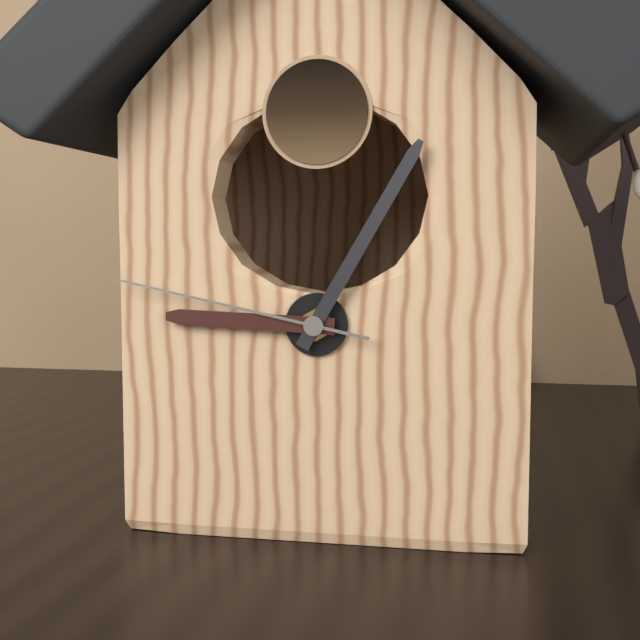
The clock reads h=9 m=5 s=47
